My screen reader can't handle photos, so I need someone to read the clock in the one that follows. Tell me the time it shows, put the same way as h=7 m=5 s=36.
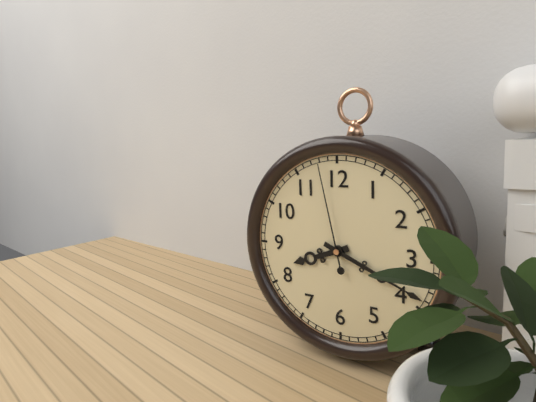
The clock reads h=8 m=19 s=58
